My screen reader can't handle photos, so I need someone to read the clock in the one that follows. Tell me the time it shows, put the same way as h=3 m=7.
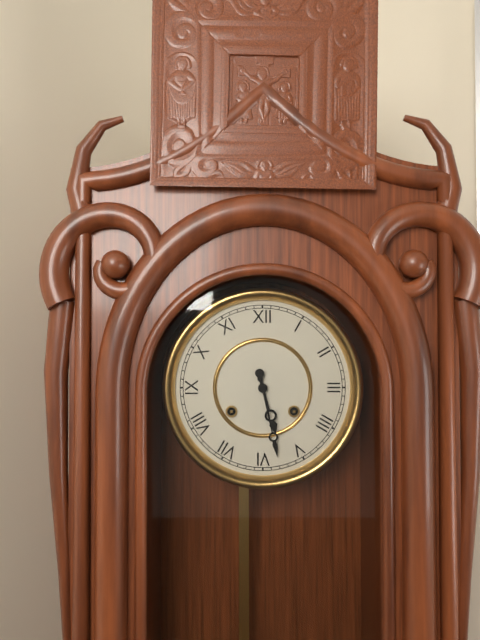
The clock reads h=5 m=28
